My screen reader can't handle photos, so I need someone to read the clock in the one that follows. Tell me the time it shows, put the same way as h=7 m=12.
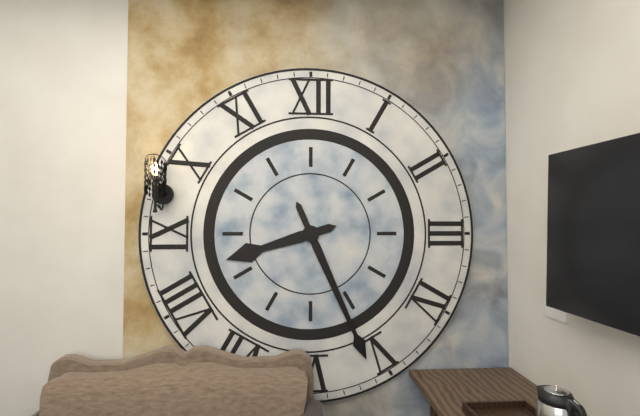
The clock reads h=8 m=26
